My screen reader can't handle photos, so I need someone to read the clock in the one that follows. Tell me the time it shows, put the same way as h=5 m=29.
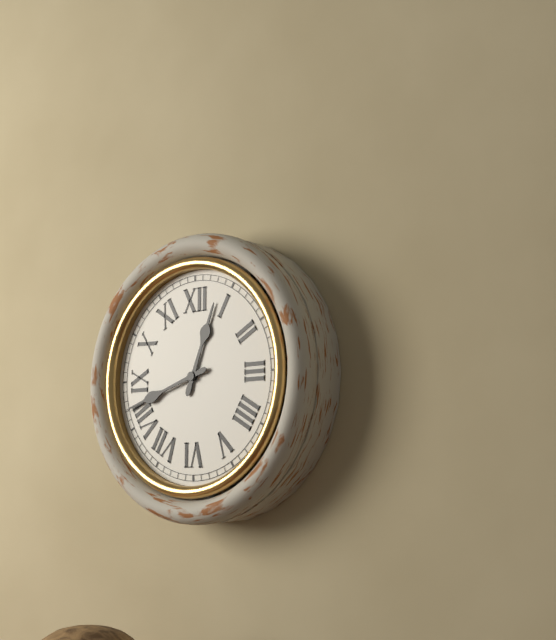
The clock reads h=12 m=42
